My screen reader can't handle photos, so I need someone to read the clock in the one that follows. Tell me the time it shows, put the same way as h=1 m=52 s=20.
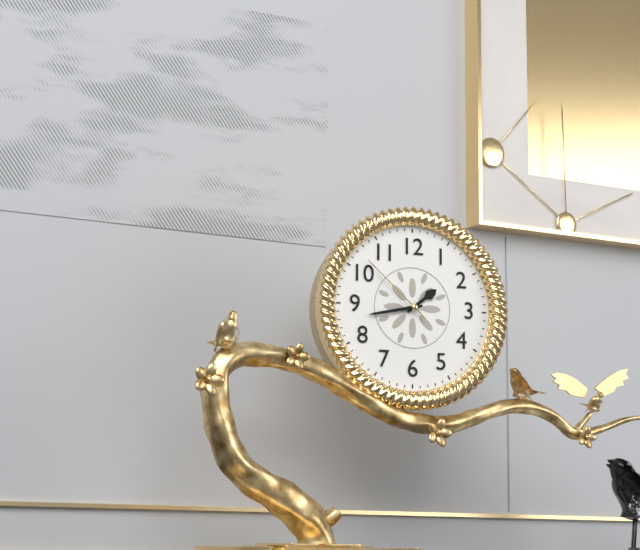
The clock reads h=1 m=43 s=52
